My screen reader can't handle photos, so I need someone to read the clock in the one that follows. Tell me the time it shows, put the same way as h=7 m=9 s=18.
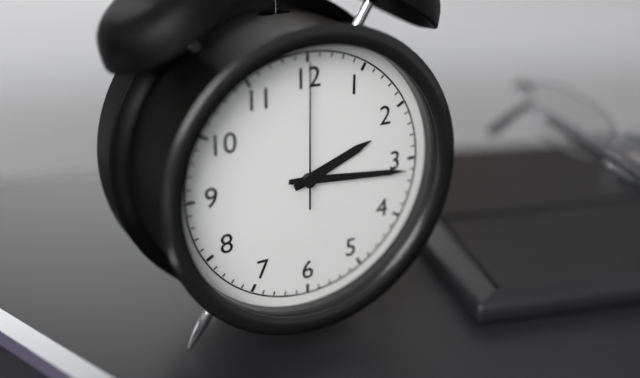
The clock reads h=2 m=16 s=0
